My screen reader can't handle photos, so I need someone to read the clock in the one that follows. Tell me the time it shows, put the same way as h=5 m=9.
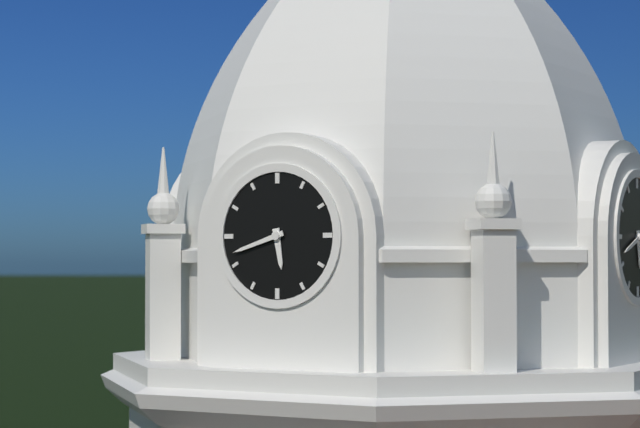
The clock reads h=5 m=42
